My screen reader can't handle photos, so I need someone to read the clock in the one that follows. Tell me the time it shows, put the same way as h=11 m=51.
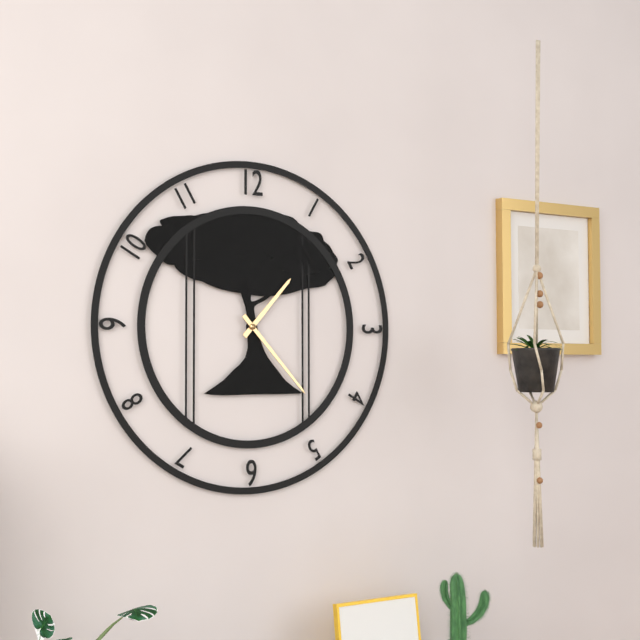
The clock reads h=1 m=23
